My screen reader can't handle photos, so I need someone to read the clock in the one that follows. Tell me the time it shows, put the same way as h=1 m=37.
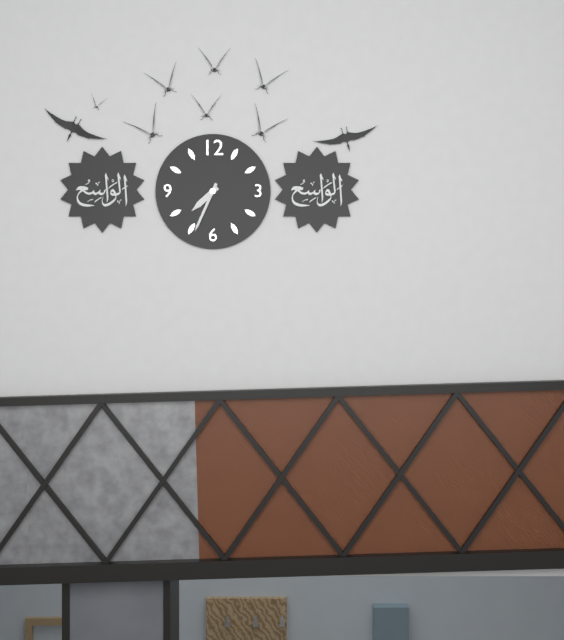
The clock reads h=7 m=34
